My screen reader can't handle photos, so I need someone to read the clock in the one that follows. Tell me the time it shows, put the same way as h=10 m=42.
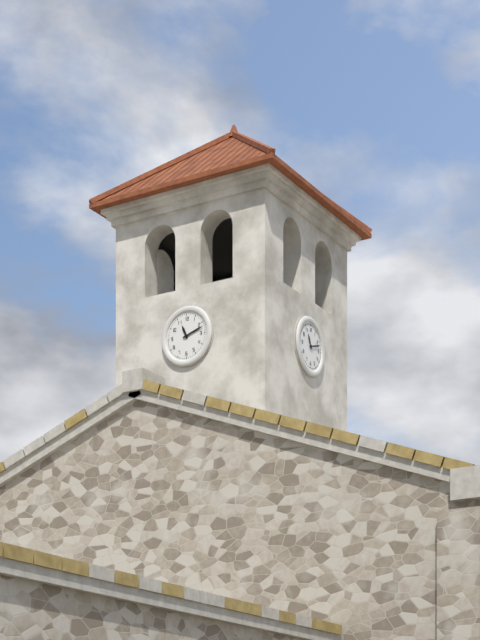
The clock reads h=11 m=12
